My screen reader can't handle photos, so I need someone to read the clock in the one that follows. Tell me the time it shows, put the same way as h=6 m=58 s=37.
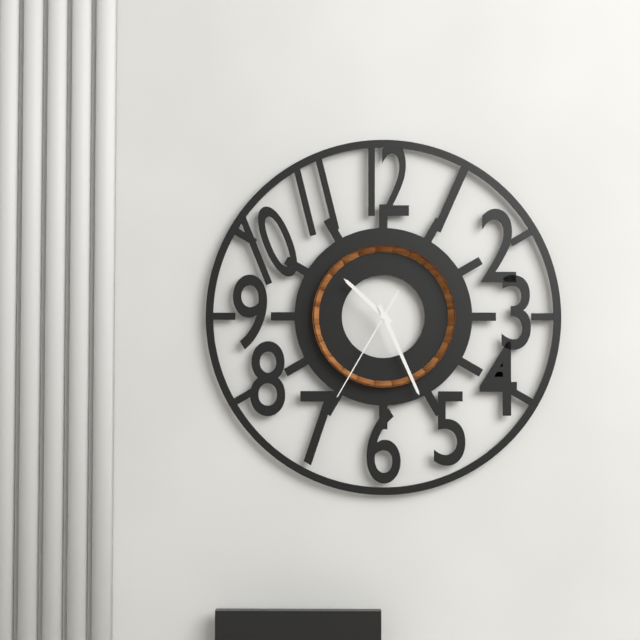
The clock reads h=10 m=26 s=35
